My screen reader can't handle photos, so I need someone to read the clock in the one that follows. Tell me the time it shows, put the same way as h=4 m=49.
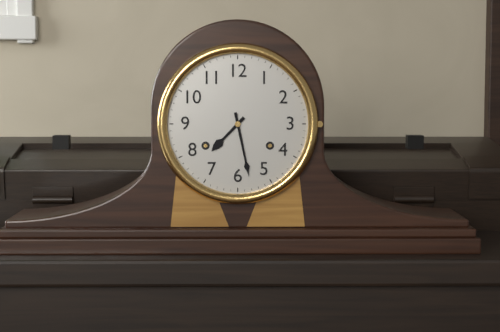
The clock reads h=7 m=28
